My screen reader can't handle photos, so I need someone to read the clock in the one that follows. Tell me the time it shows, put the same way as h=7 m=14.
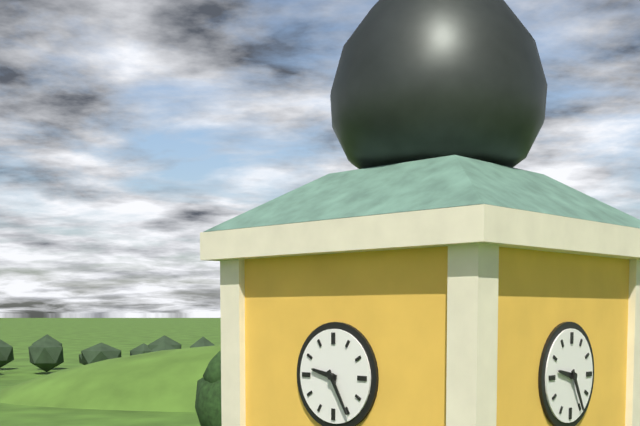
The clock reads h=9 m=25
